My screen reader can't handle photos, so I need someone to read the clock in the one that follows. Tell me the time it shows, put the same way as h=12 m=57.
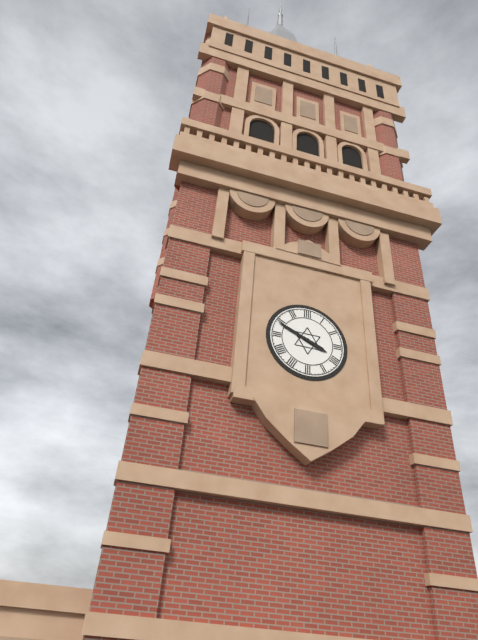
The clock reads h=3 m=49
